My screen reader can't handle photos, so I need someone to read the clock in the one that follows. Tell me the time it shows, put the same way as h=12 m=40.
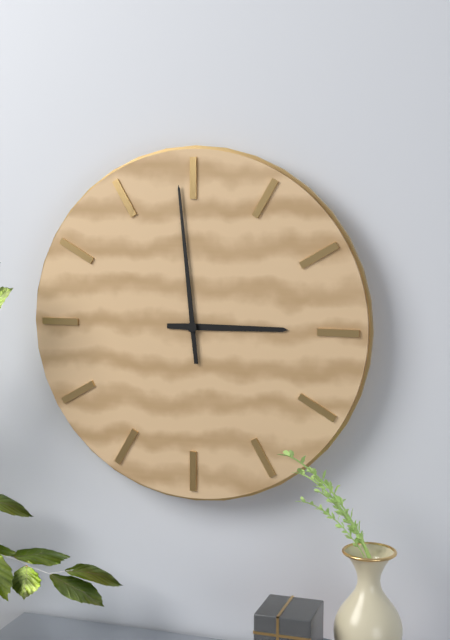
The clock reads h=2 m=59
